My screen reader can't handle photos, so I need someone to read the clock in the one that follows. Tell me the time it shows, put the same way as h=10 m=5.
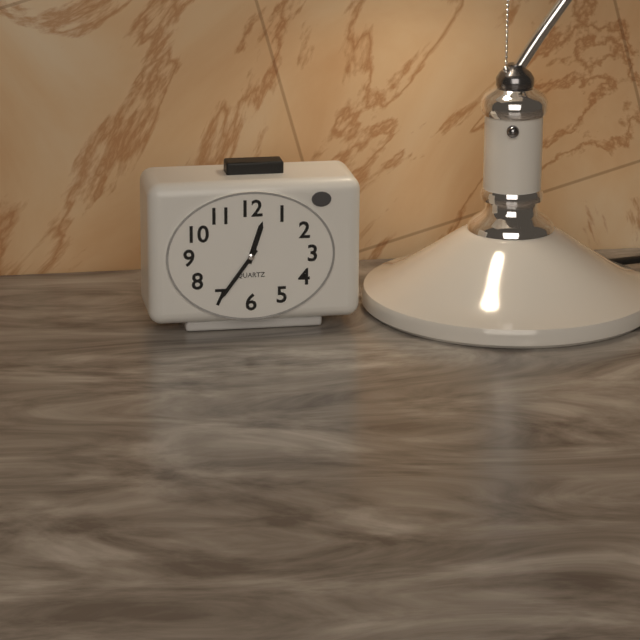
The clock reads h=12 m=36
